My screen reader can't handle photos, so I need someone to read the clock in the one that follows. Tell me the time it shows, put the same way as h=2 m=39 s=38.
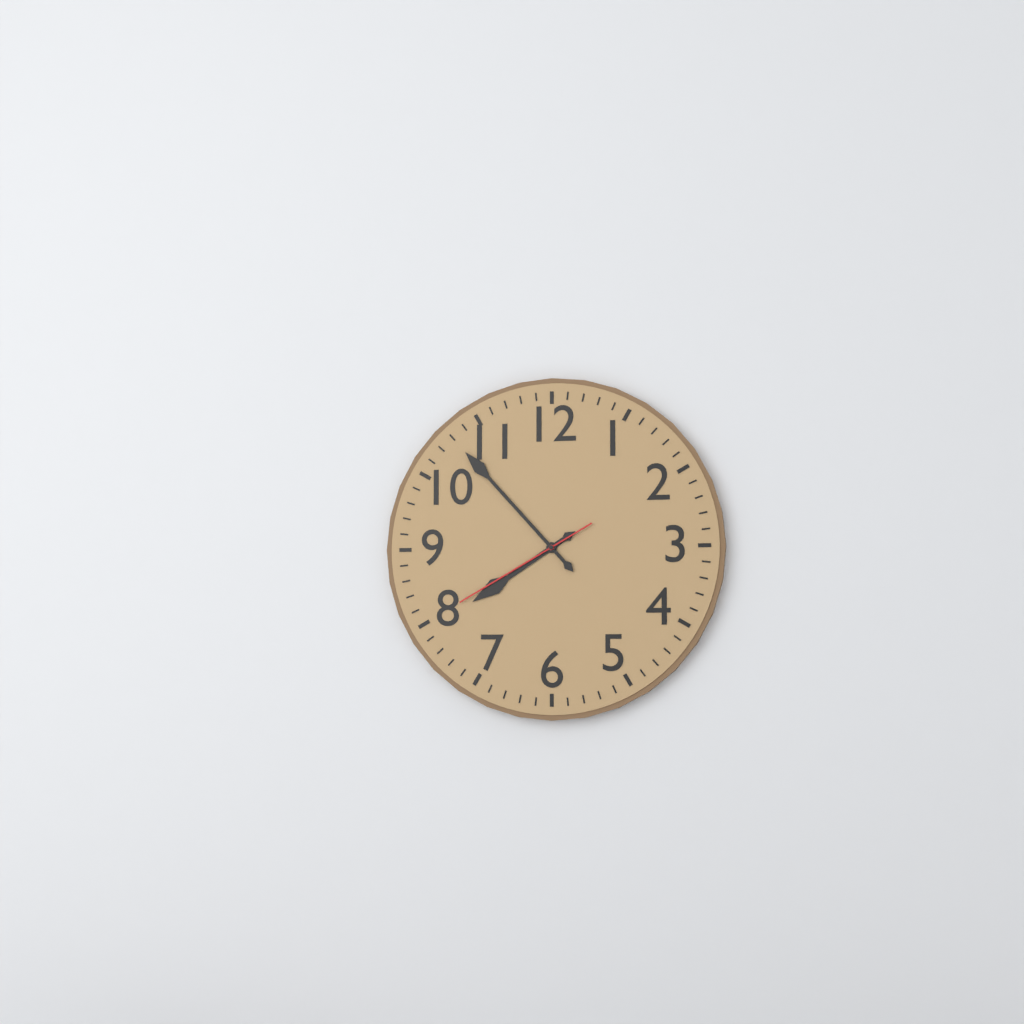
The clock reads h=7 m=53 s=40
